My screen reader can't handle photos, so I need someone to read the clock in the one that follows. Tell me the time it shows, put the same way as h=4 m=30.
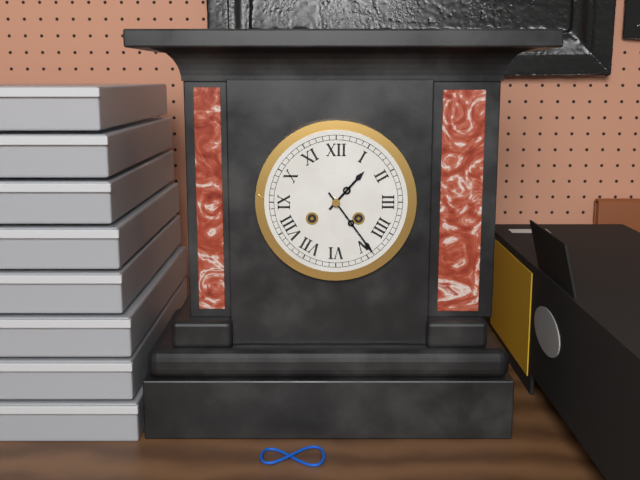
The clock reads h=1 m=24
